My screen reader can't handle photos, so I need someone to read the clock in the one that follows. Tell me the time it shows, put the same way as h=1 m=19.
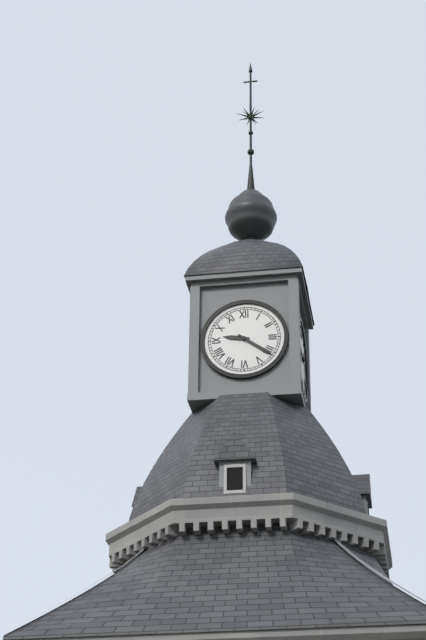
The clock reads h=9 m=21
